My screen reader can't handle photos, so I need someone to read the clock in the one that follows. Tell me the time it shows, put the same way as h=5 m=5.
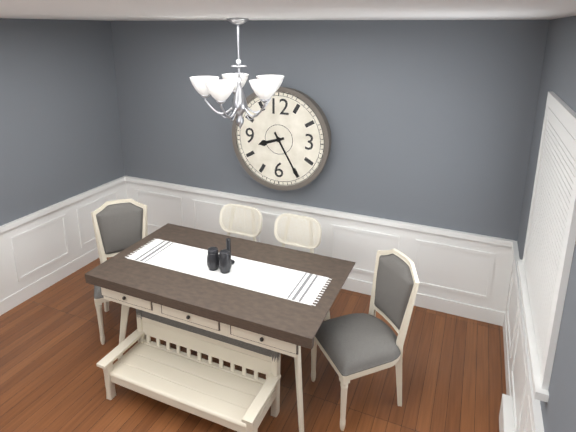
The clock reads h=8 m=25
